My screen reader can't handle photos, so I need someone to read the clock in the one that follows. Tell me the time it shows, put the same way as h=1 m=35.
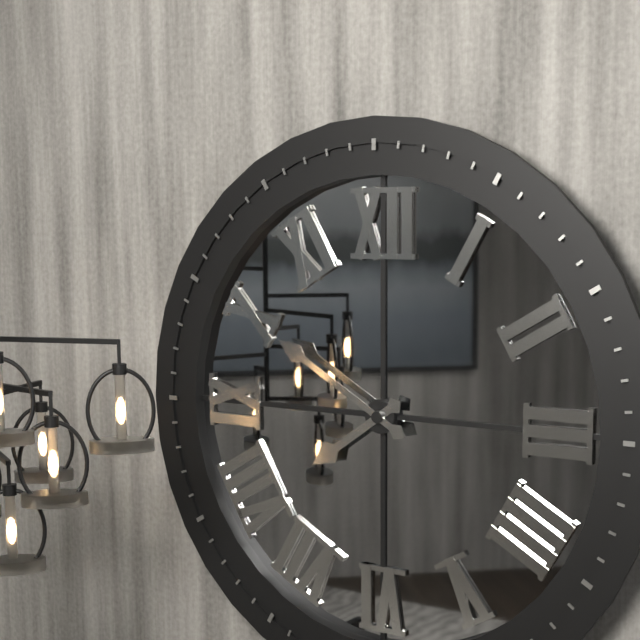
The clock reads h=7 m=50
